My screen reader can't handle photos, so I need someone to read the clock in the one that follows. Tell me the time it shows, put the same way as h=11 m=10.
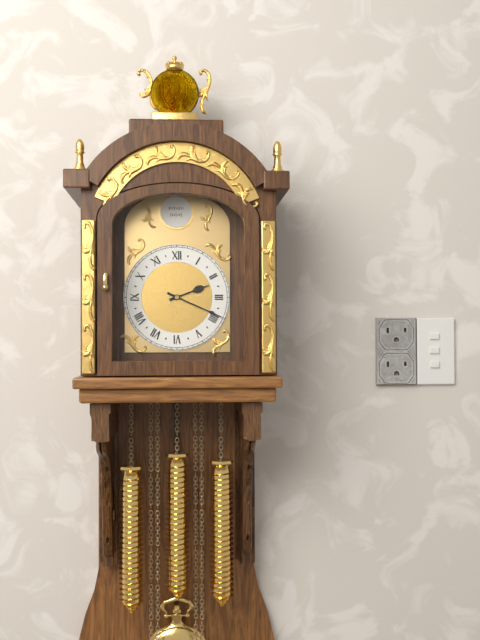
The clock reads h=2 m=19
